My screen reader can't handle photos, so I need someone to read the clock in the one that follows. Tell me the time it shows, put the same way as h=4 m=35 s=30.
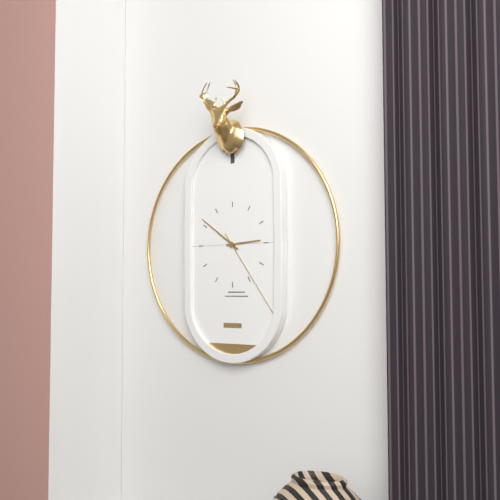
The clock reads h=2 m=51 s=24
